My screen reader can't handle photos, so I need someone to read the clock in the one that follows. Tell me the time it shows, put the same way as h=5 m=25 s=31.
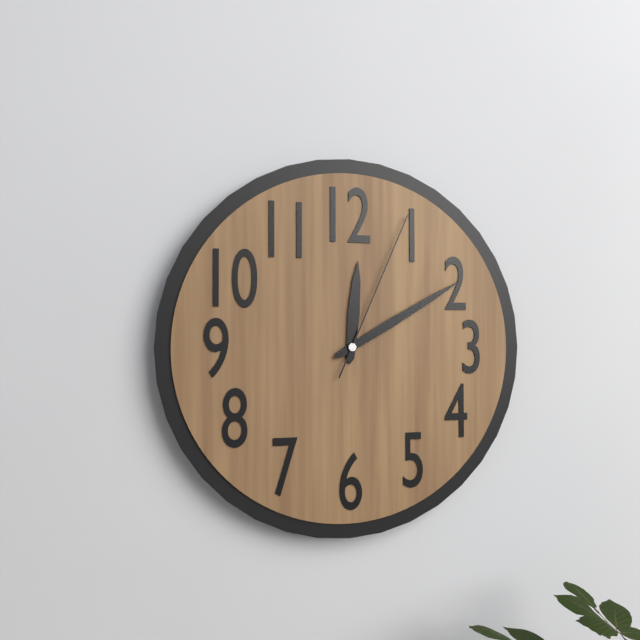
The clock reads h=12 m=10 s=4
